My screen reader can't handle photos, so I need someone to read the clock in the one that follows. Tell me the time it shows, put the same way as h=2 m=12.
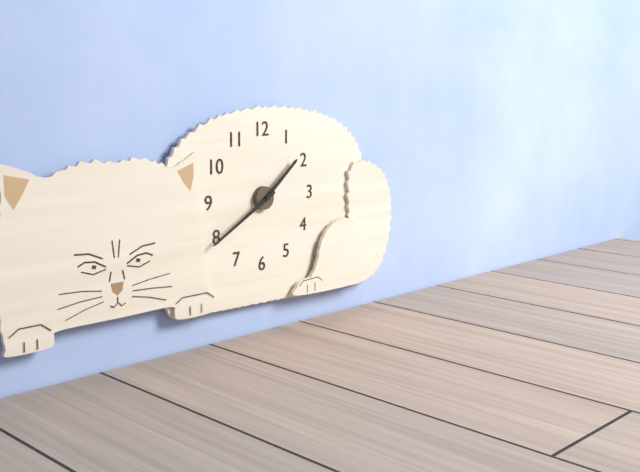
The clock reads h=1 m=40
